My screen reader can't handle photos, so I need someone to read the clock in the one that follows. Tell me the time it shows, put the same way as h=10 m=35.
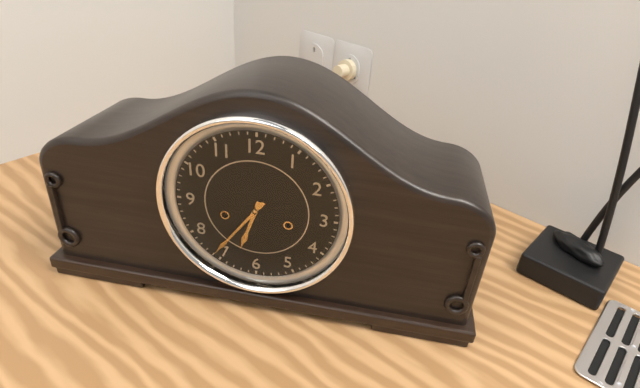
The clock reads h=6 m=36
